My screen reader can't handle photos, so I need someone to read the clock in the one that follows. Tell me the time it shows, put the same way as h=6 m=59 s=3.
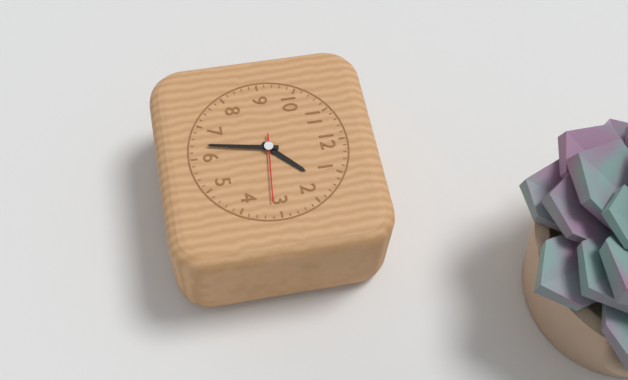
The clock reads h=1 m=32 s=16
